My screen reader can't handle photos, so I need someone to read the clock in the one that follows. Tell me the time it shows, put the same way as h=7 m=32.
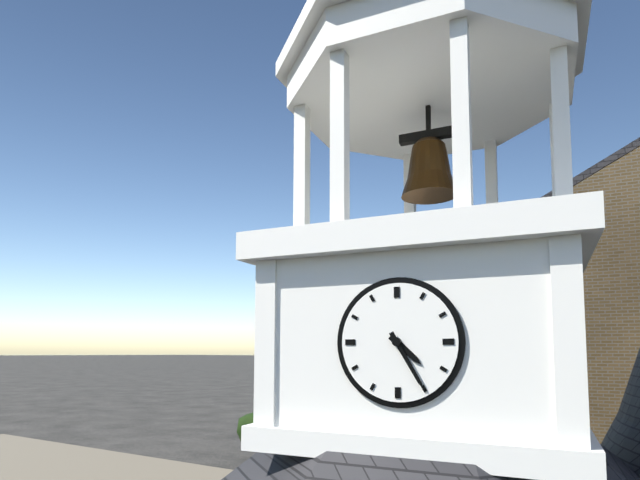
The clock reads h=4 m=25
